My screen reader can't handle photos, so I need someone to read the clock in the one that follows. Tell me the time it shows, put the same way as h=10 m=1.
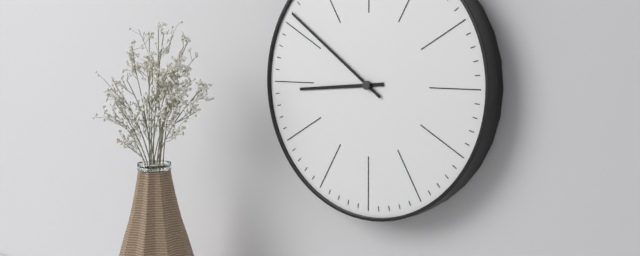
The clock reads h=8 m=51
